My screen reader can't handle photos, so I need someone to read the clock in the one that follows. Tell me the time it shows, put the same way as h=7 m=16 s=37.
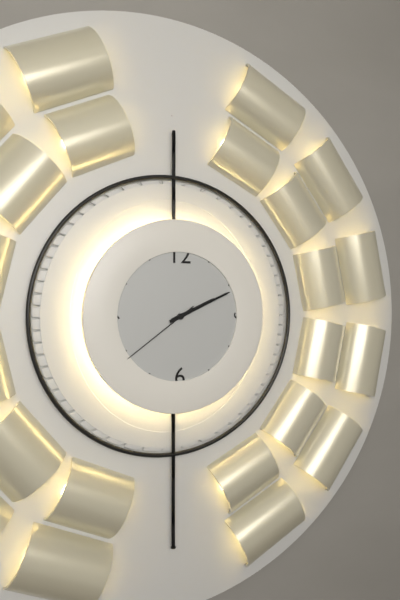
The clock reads h=2 m=11 s=39
